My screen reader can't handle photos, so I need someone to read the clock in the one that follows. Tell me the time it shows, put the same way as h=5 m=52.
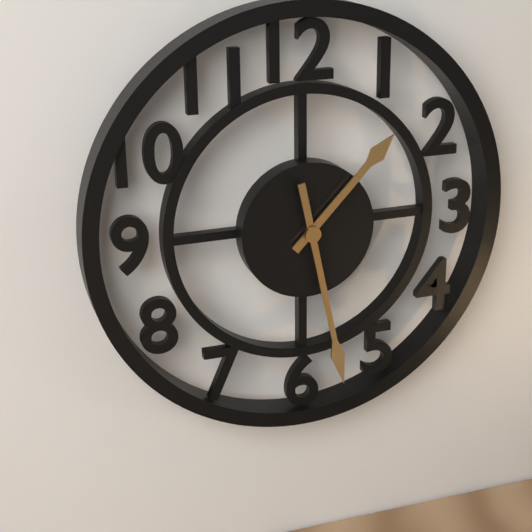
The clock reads h=1 m=28
